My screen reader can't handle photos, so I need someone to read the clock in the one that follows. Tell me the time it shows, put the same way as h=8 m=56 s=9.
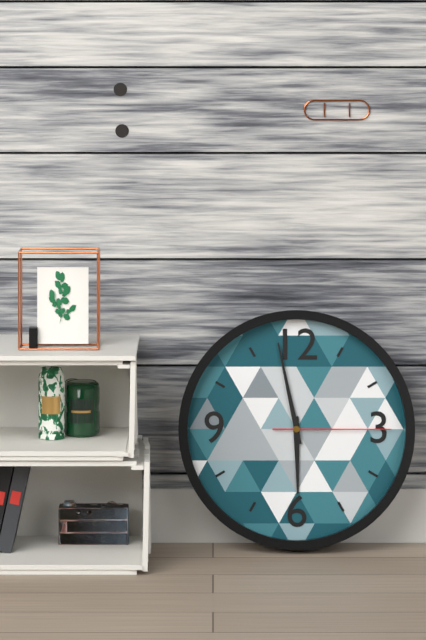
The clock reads h=5 m=58 s=15
